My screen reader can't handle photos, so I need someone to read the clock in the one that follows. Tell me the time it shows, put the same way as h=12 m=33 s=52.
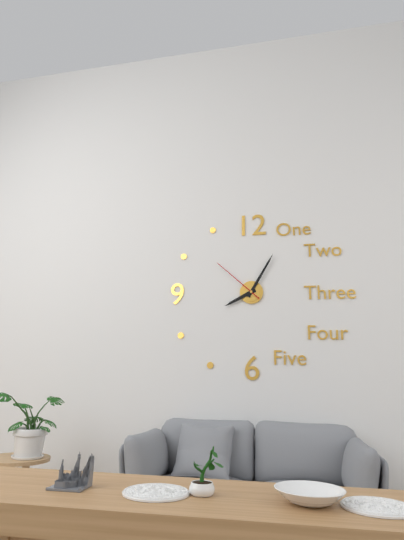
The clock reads h=8 m=5 s=52
